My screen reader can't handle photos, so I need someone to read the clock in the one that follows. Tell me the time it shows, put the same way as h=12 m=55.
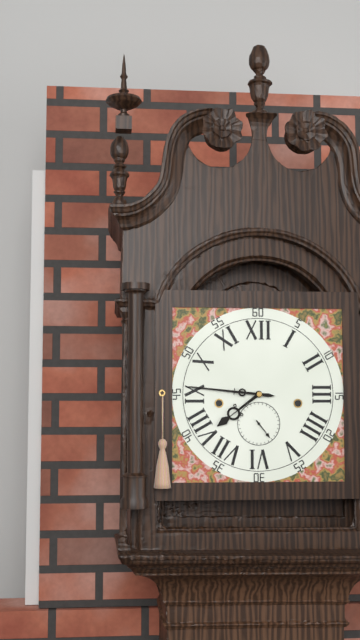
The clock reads h=7 m=46
